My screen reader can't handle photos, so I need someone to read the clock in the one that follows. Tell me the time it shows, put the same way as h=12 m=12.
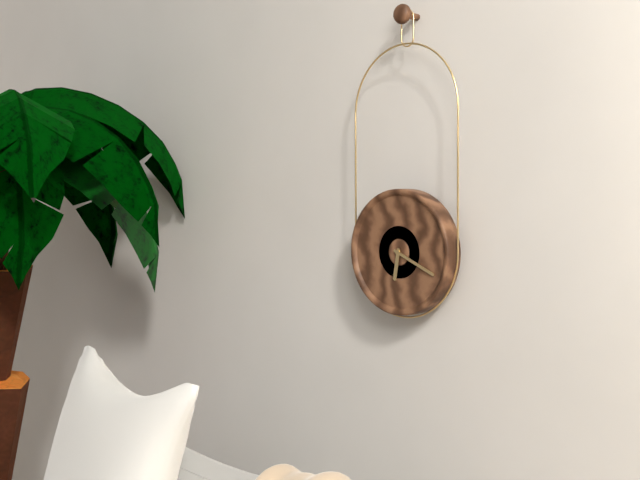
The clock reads h=6 m=19
